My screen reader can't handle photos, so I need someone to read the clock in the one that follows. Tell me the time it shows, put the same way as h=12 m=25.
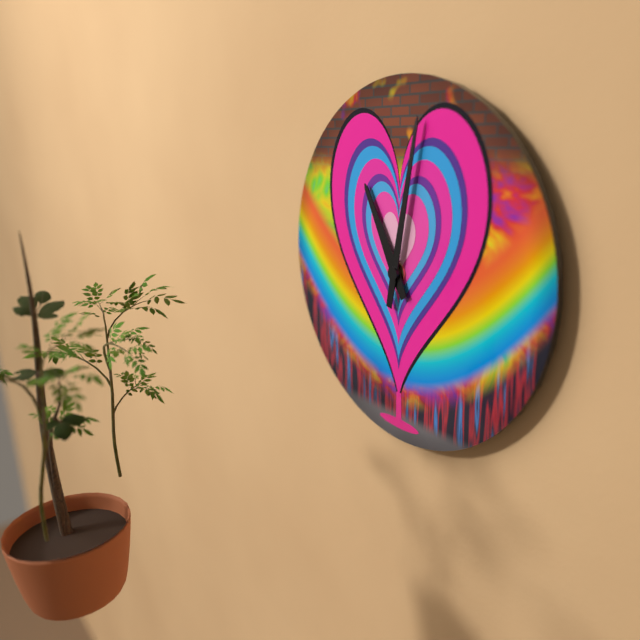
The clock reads h=11 m=2
